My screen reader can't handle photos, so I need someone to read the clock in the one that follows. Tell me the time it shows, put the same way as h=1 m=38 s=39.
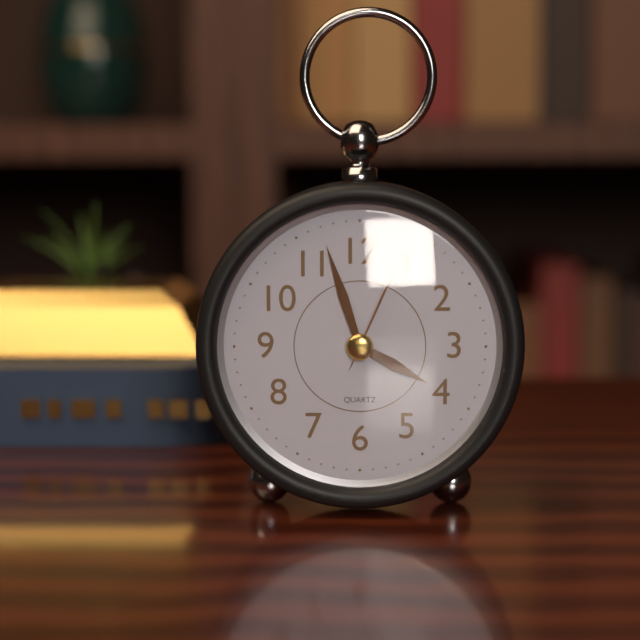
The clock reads h=3 m=57 s=4
